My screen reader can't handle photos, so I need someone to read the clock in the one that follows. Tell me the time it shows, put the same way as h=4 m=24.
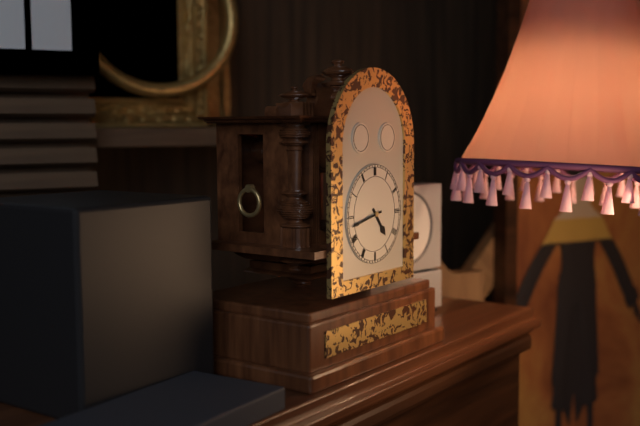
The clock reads h=4 m=43
